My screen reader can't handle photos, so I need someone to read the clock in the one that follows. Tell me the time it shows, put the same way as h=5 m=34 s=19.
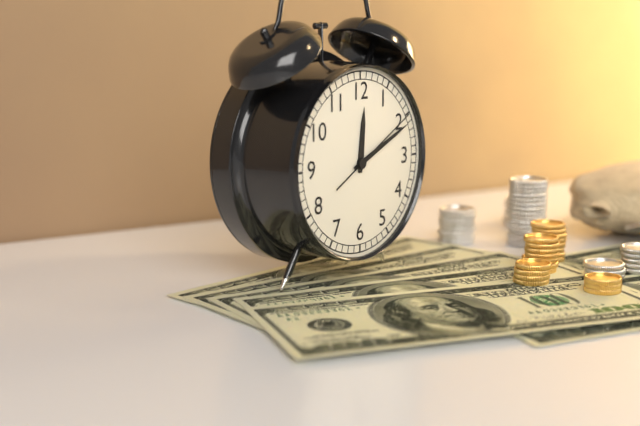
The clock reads h=12 m=11 s=10
